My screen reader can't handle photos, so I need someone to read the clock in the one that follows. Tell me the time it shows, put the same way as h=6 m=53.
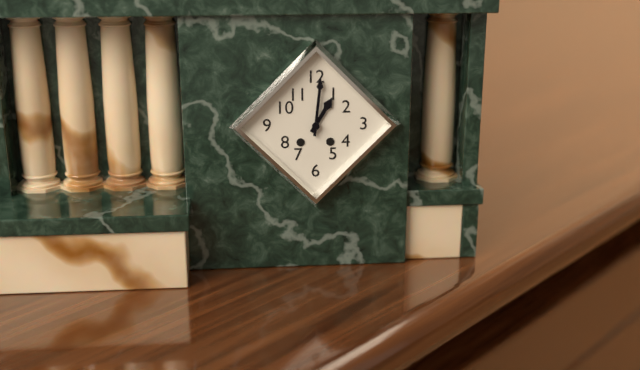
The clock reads h=1 m=1
